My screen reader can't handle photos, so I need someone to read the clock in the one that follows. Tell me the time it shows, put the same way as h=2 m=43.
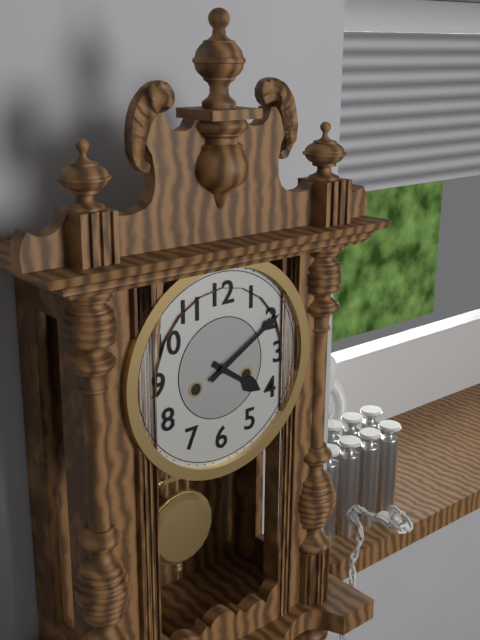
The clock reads h=4 m=10
